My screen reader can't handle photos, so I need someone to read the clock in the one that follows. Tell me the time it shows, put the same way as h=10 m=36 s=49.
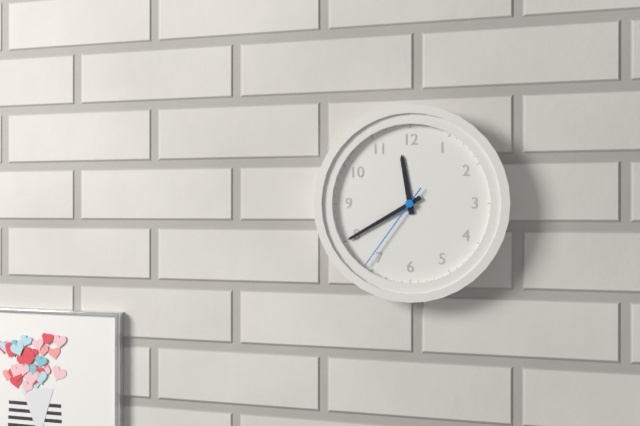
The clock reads h=11 m=40 s=36
